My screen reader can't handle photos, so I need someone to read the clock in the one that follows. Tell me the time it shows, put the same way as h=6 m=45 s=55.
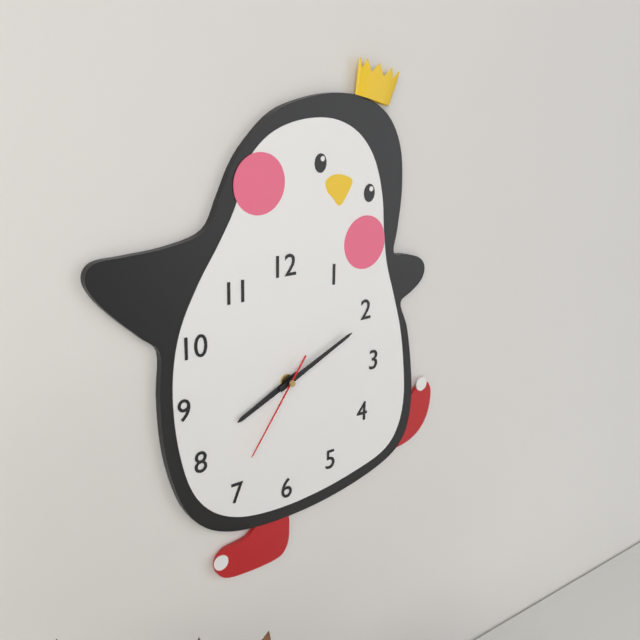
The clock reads h=8 m=11 s=36
